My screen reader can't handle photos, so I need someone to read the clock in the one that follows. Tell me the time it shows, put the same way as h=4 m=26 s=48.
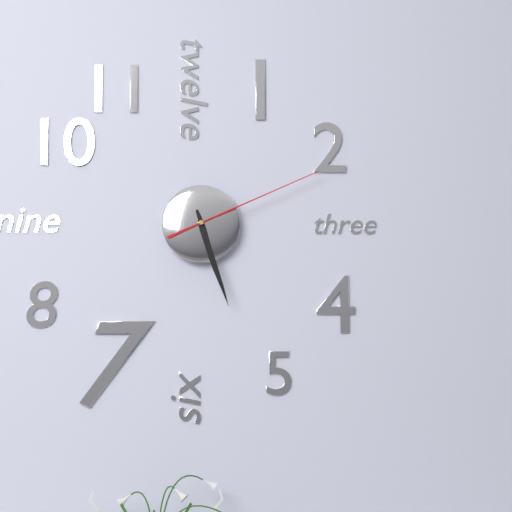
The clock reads h=5 m=27 s=11
